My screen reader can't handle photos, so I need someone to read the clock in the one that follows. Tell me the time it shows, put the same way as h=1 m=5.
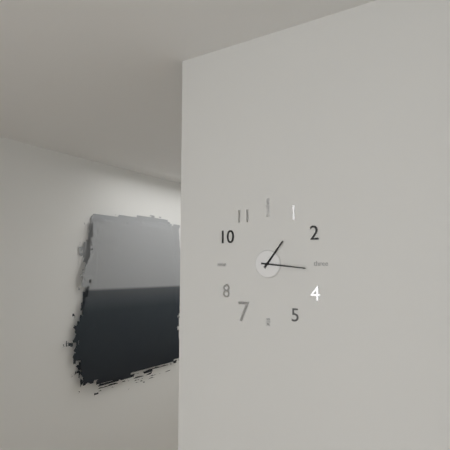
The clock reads h=1 m=16
